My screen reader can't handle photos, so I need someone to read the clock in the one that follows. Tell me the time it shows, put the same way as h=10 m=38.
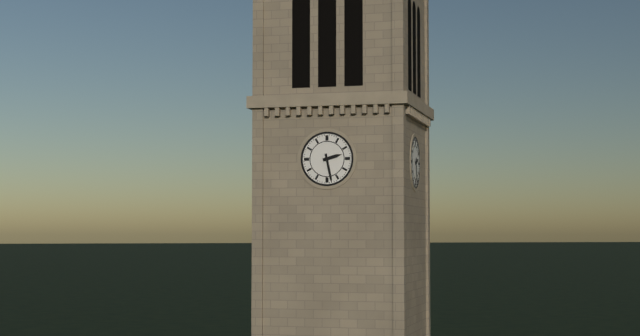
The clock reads h=2 m=28
